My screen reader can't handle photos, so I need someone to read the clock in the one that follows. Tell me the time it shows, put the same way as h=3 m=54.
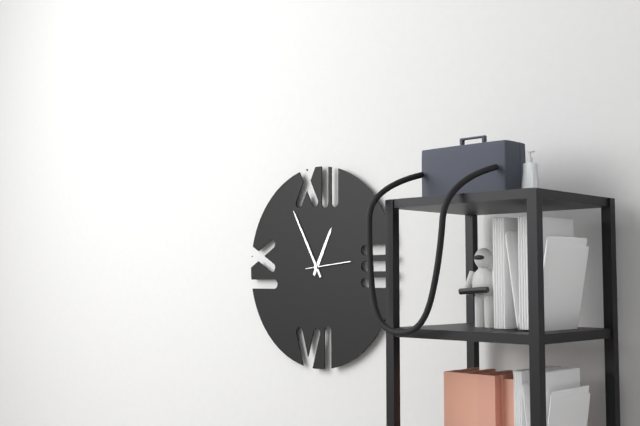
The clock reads h=12 m=55
